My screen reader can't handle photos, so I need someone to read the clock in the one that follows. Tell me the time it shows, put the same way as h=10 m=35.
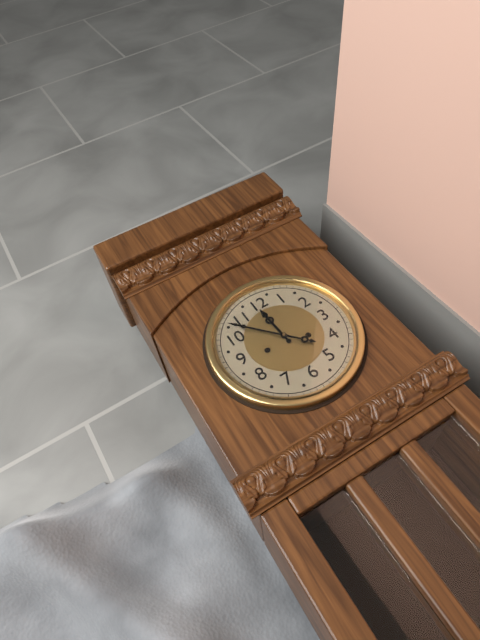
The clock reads h=11 m=53
